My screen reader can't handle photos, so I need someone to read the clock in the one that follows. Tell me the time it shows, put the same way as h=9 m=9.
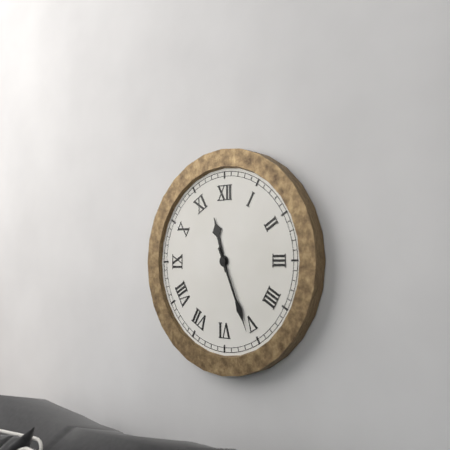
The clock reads h=11 m=26
